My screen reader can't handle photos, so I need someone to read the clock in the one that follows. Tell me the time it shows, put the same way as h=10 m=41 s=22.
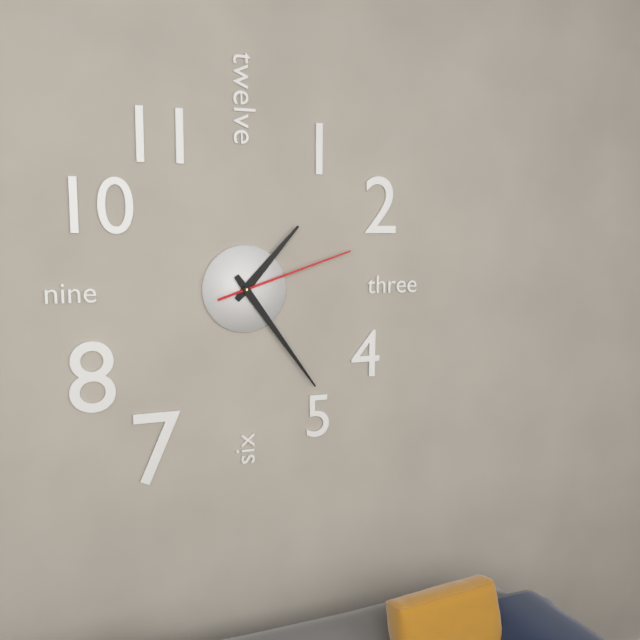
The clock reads h=1 m=24 s=12
